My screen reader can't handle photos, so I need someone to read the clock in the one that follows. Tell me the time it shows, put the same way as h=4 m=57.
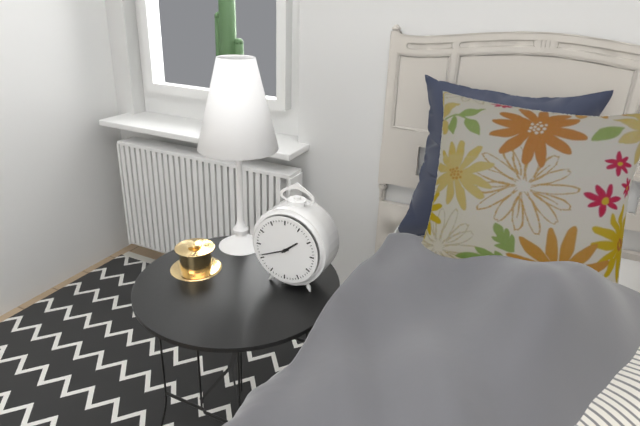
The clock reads h=1 m=41
